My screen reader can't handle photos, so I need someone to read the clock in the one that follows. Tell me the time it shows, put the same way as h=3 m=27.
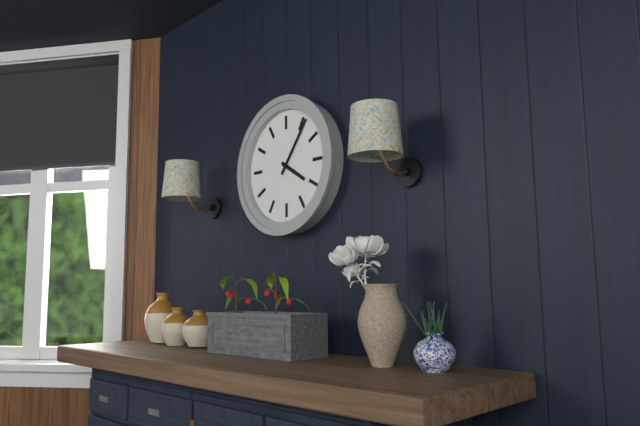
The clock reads h=4 m=6
